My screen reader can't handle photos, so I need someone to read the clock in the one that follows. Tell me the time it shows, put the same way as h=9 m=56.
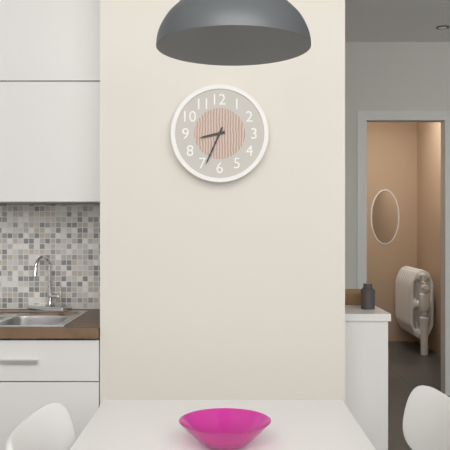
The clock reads h=8 m=34
